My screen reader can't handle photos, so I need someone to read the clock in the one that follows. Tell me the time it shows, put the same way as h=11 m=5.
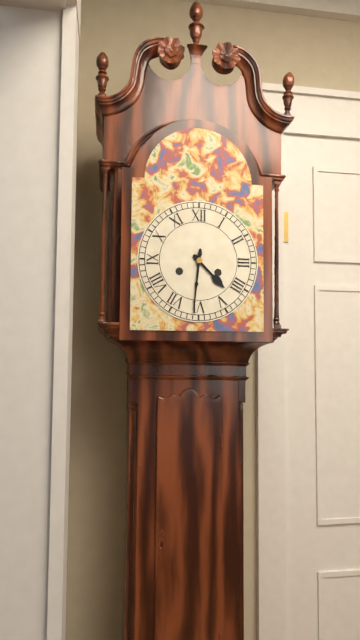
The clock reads h=4 m=31
